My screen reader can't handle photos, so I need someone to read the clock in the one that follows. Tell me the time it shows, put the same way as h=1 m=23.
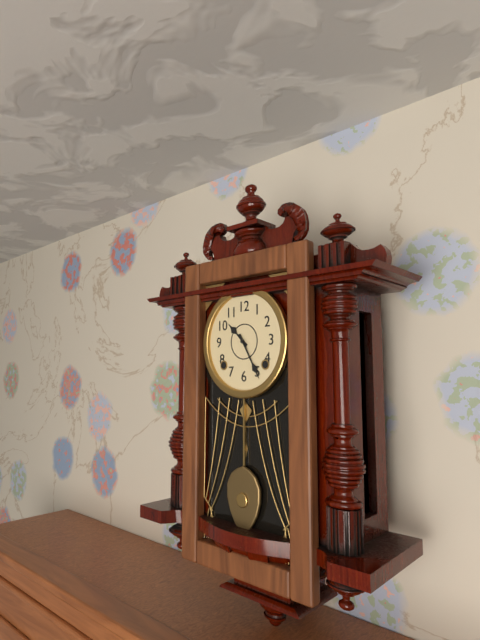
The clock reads h=10 m=25
